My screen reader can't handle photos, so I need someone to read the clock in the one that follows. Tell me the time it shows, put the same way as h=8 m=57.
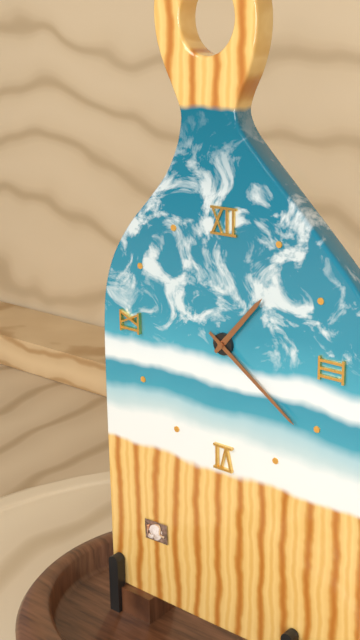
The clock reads h=1 m=21
